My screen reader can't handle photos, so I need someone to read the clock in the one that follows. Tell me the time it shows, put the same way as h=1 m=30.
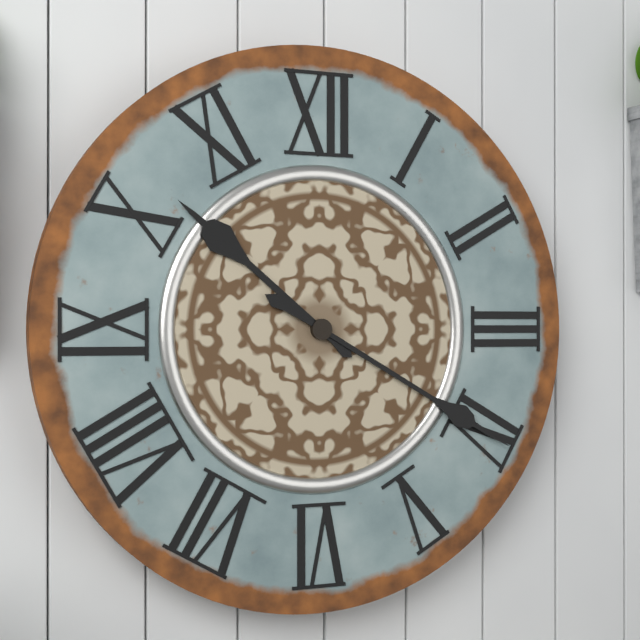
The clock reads h=10 m=20
